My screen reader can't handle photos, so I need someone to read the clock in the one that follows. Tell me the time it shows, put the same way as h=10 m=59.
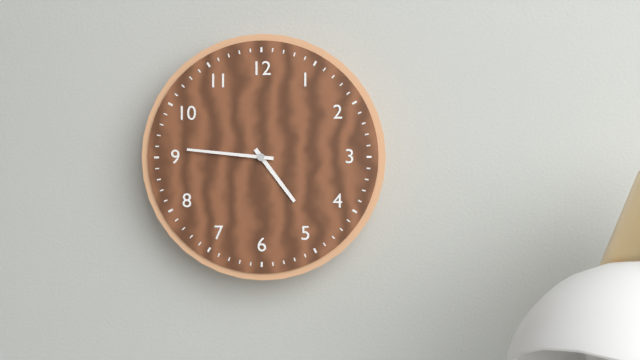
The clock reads h=4 m=46
